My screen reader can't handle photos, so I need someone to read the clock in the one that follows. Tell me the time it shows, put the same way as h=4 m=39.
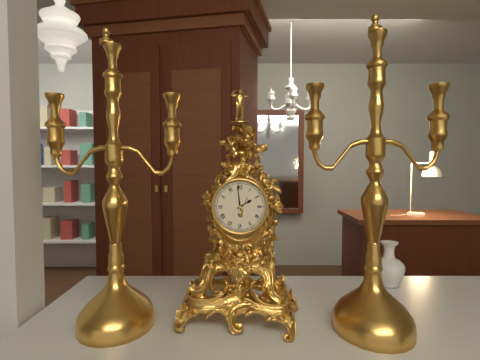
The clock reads h=1 m=59
